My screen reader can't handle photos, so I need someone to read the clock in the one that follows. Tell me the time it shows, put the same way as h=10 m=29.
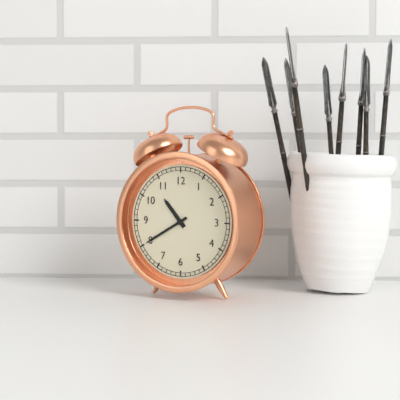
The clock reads h=10 m=40
